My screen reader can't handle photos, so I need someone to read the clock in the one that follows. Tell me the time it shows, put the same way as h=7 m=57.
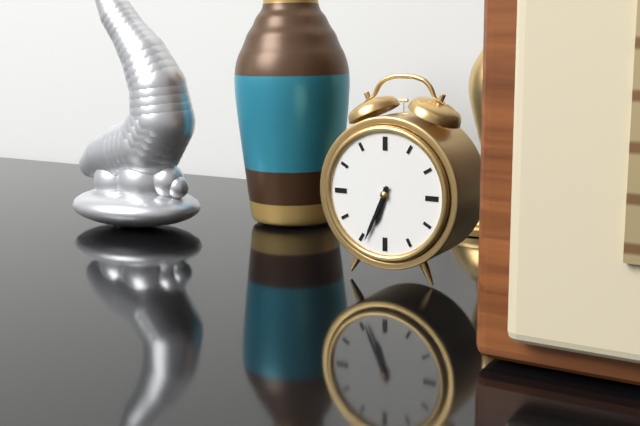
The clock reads h=6 m=34
